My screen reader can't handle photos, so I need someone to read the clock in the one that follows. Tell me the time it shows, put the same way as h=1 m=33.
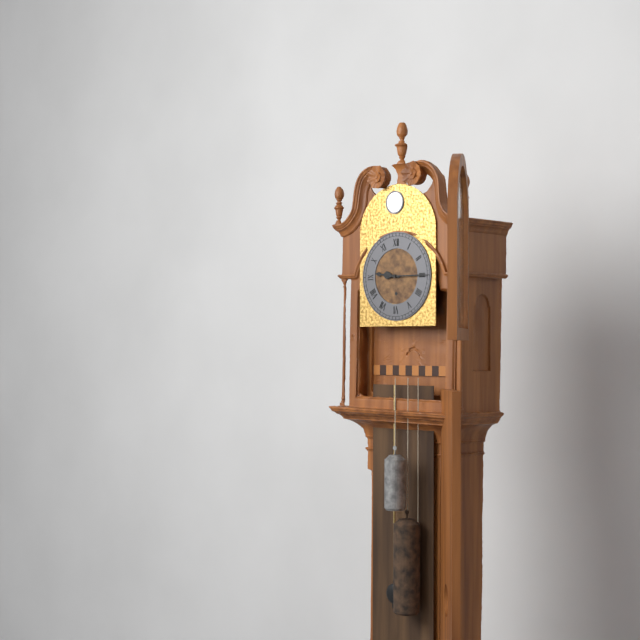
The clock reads h=9 m=15
